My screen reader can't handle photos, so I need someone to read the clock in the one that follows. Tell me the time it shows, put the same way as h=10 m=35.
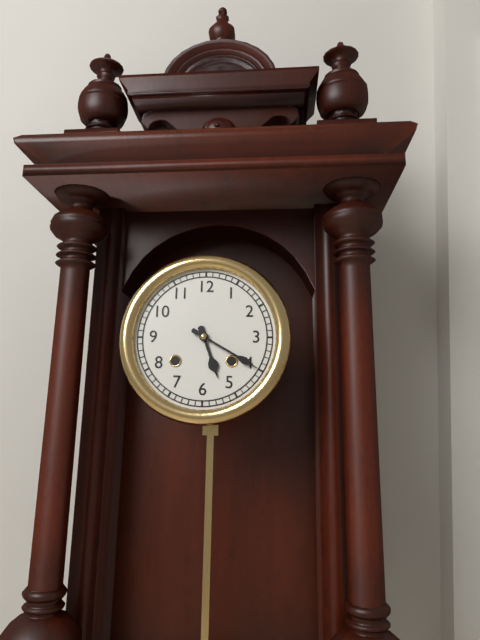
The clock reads h=5 m=20
